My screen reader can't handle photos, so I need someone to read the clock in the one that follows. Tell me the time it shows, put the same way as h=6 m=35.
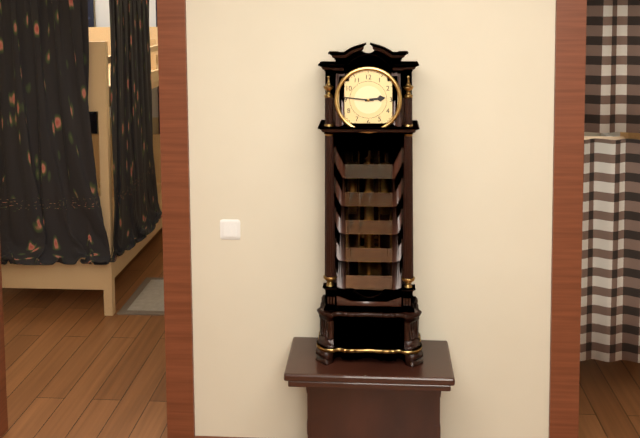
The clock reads h=2 m=46
